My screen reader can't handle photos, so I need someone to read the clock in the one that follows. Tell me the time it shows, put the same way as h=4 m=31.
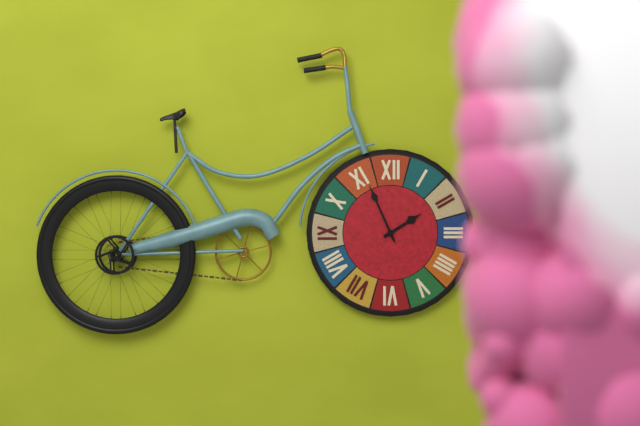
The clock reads h=1 m=56
